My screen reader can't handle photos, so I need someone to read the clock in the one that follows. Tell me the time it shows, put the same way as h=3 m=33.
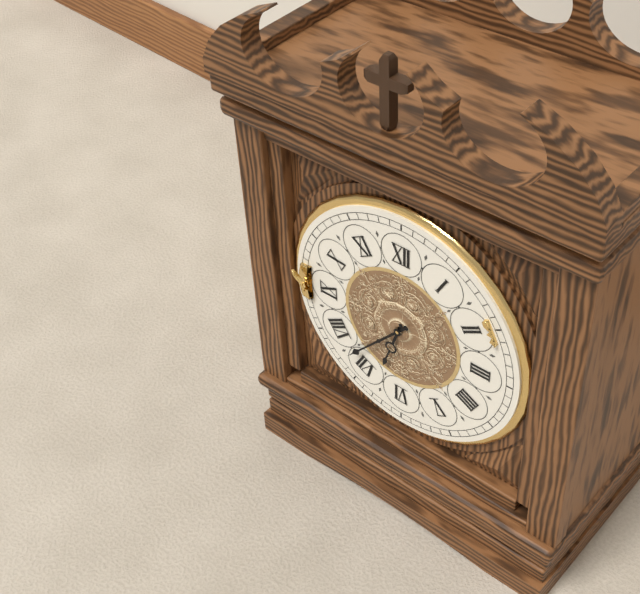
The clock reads h=6 m=37
